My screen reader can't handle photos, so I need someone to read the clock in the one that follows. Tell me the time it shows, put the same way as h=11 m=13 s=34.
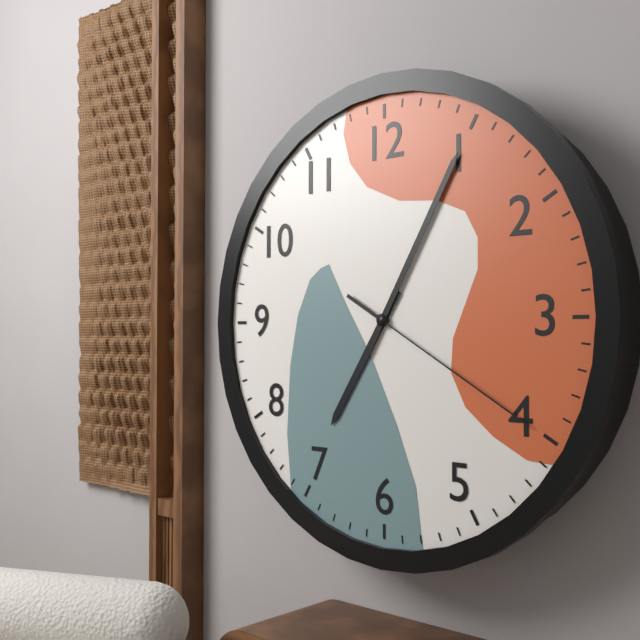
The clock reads h=7 m=5 s=20
